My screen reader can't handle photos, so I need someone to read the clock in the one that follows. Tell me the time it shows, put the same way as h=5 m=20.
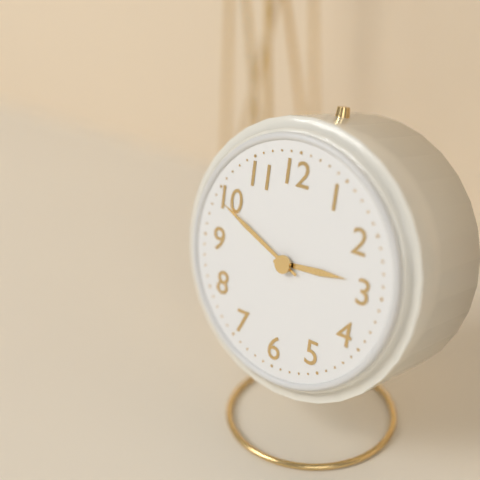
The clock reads h=2 m=49
